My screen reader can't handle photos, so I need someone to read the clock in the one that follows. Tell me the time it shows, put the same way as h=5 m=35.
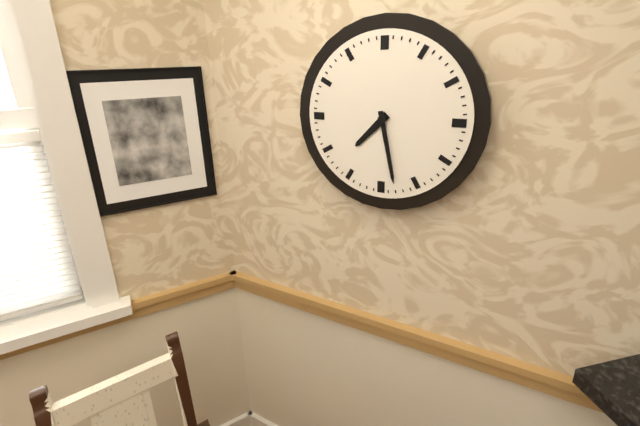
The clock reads h=7 m=28
